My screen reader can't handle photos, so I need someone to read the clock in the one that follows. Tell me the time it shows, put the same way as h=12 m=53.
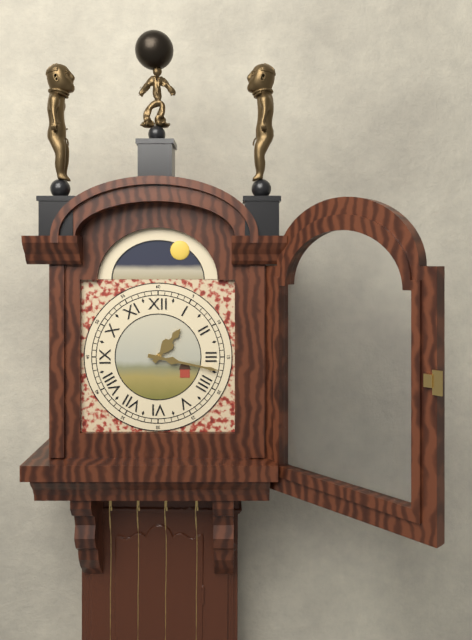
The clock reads h=1 m=17
